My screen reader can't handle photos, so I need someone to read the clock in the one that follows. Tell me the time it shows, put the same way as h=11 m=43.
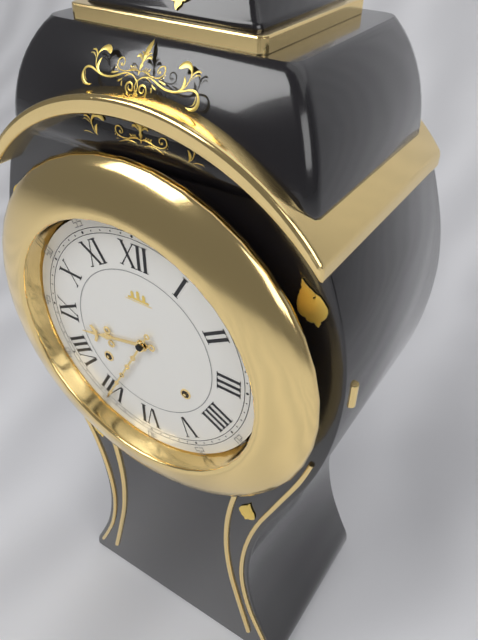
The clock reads h=8 m=35
